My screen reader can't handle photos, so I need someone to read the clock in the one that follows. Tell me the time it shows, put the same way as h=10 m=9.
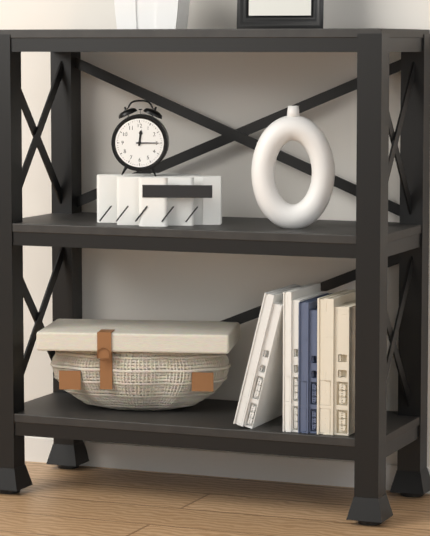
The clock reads h=12 m=15
